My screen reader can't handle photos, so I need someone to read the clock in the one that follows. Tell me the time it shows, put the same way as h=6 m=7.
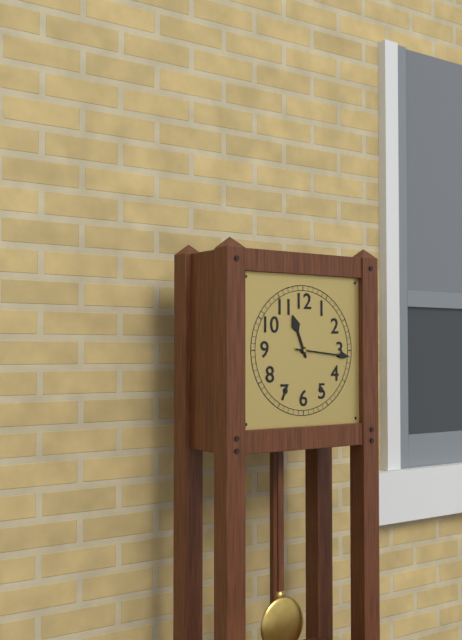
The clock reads h=11 m=16
